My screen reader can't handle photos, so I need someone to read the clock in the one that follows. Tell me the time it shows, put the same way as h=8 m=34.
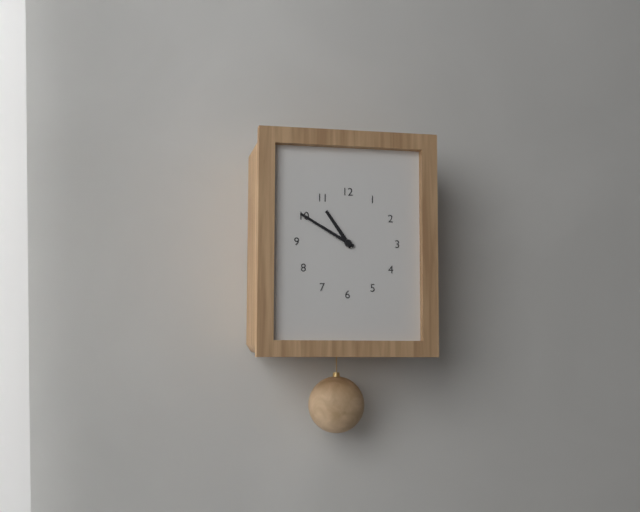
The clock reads h=10 m=50
